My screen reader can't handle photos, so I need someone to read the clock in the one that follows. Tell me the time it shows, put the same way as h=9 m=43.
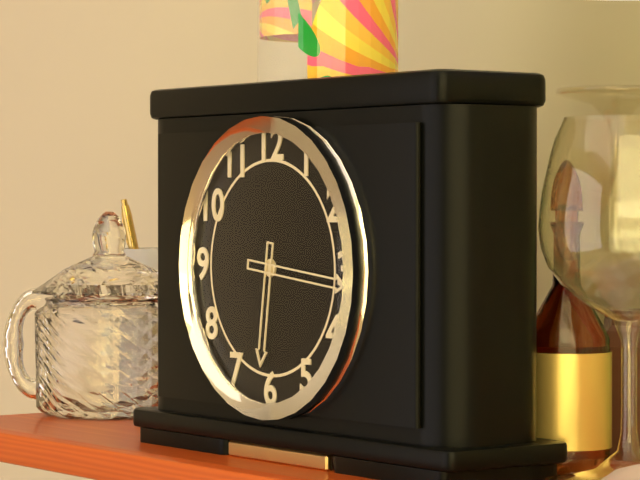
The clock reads h=6 m=16
